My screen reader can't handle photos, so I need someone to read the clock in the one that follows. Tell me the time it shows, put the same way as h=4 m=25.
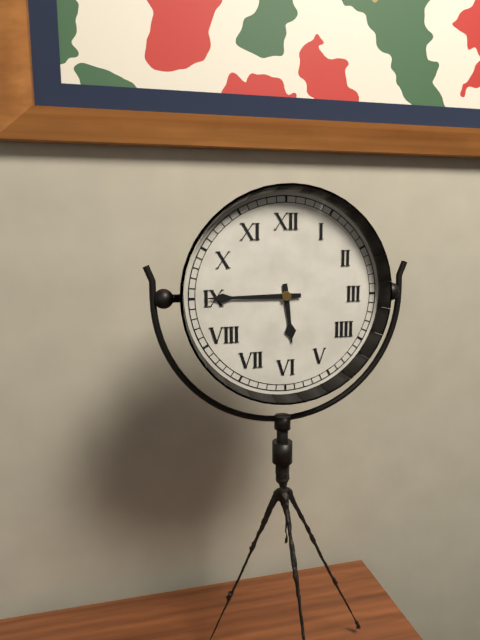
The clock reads h=5 m=45
